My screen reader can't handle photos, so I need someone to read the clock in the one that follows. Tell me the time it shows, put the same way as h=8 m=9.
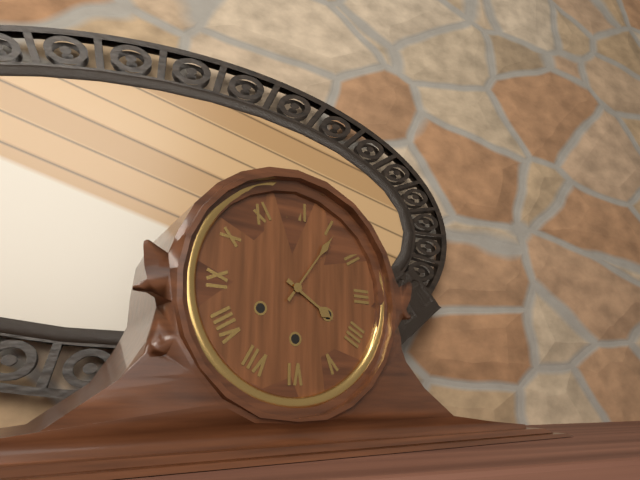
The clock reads h=4 m=6
